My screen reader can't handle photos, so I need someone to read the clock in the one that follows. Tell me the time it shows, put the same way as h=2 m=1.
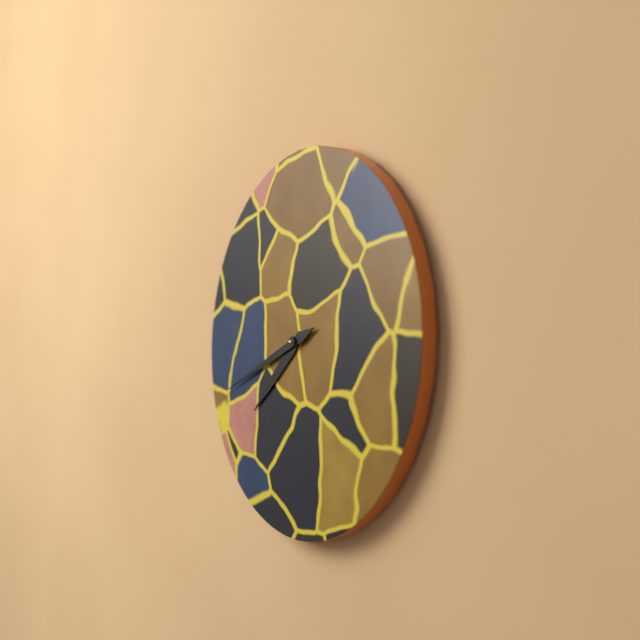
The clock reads h=7 m=42
